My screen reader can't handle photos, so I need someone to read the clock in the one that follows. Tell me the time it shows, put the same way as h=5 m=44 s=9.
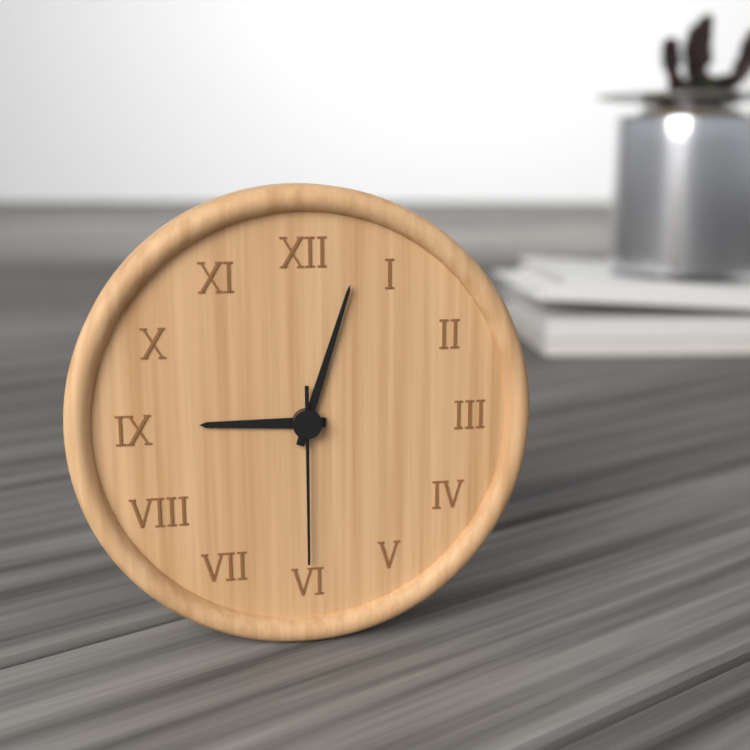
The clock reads h=9 m=3 s=30
